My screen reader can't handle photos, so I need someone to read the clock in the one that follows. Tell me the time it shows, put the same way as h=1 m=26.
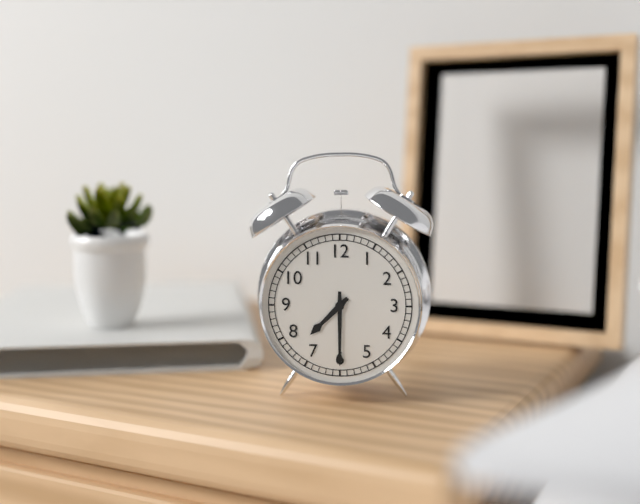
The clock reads h=7 m=30
